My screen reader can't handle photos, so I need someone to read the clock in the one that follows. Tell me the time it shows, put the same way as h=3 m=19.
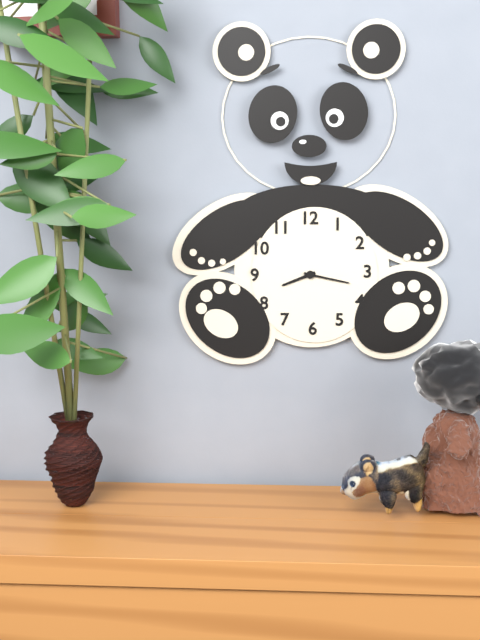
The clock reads h=8 m=17
